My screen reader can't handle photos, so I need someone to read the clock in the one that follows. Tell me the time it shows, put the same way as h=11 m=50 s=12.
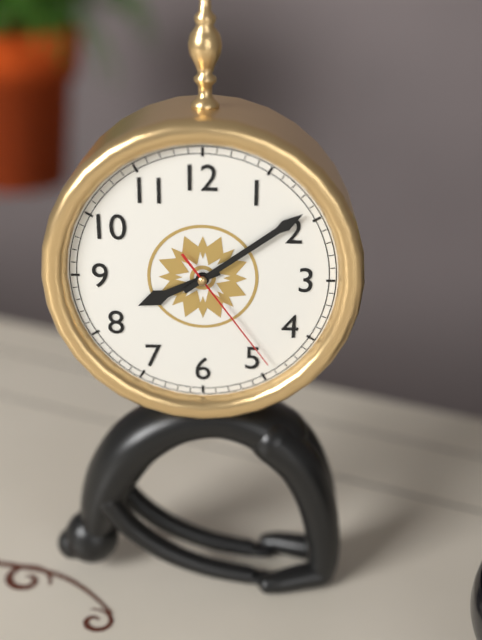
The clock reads h=8 m=9 s=24
